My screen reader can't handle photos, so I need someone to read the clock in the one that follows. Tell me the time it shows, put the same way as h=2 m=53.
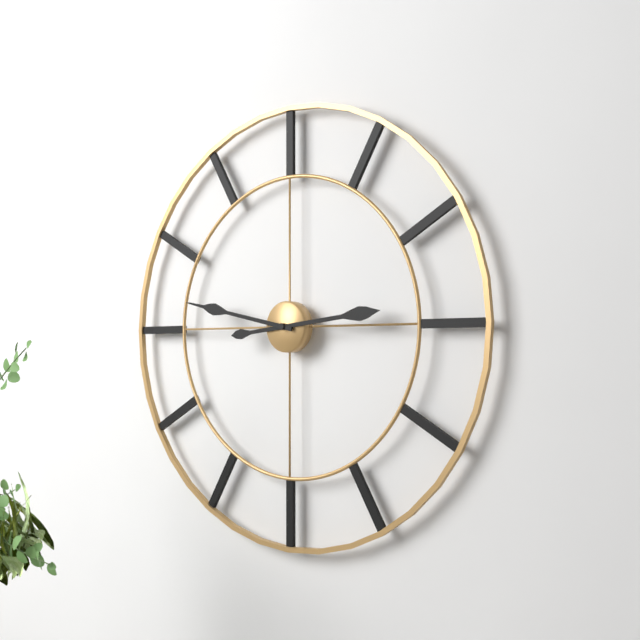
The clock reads h=2 m=47
